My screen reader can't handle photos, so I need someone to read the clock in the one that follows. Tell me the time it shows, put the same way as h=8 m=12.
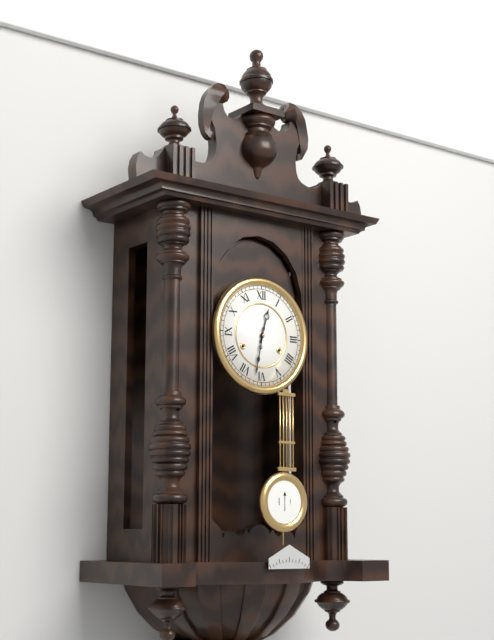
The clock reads h=12 m=32
